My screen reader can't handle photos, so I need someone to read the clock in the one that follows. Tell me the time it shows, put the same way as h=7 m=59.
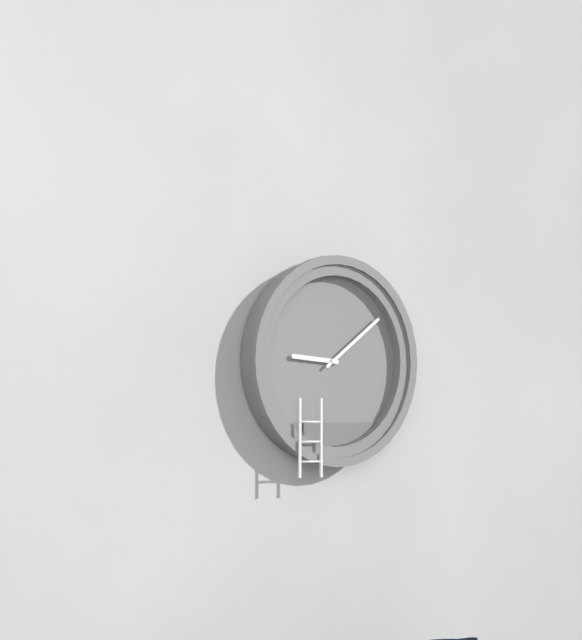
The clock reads h=9 m=9
